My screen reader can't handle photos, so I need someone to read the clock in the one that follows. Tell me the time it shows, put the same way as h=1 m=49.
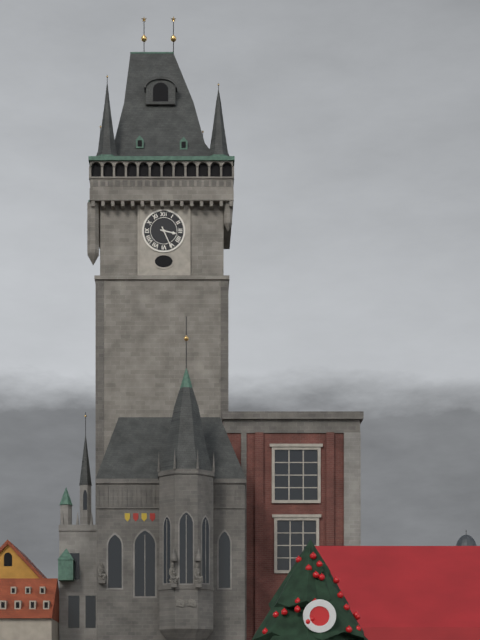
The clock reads h=3 m=26
